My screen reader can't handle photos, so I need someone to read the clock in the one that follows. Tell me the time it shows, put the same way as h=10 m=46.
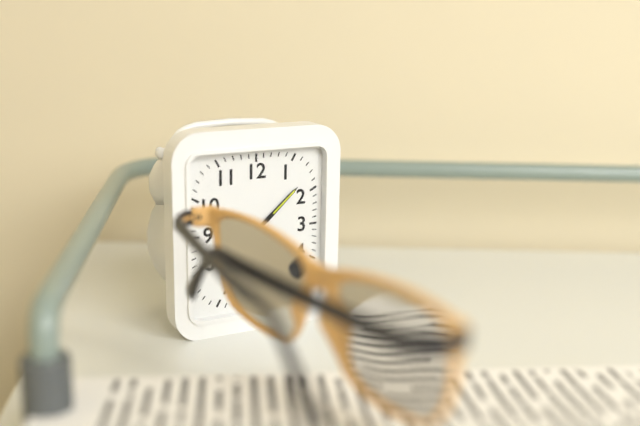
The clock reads h=9 m=8
